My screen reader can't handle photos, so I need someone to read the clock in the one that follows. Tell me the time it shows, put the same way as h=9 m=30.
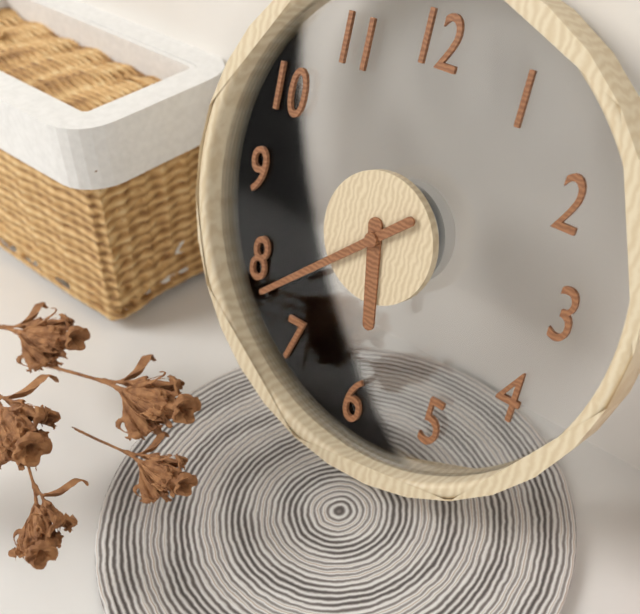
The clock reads h=5 m=38
